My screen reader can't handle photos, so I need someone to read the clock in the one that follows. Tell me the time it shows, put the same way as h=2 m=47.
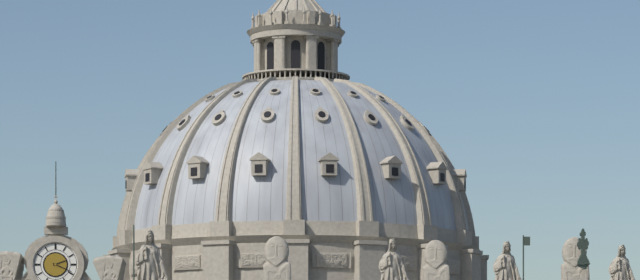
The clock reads h=2 m=19
